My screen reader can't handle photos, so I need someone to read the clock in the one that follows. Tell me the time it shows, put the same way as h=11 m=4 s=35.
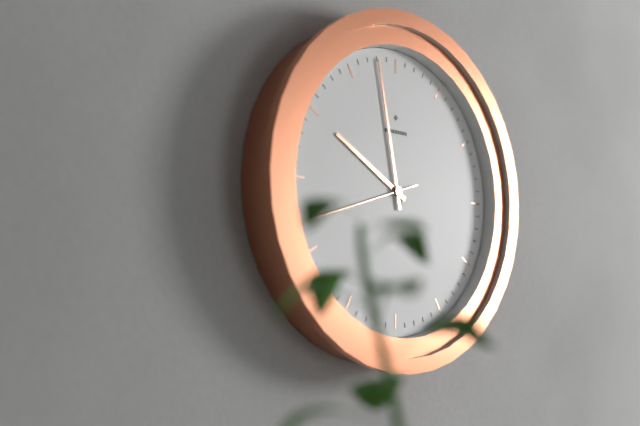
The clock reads h=9 m=58 s=42
